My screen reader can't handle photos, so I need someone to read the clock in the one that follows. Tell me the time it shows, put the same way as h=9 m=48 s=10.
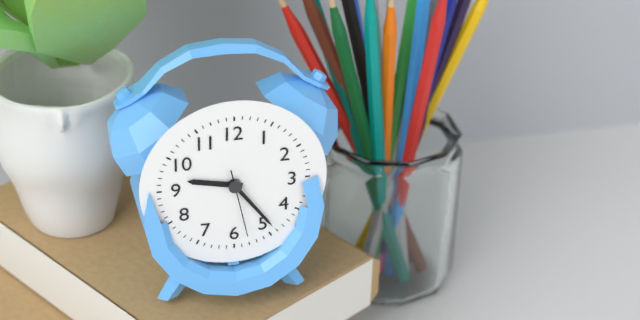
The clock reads h=9 m=24 s=28
